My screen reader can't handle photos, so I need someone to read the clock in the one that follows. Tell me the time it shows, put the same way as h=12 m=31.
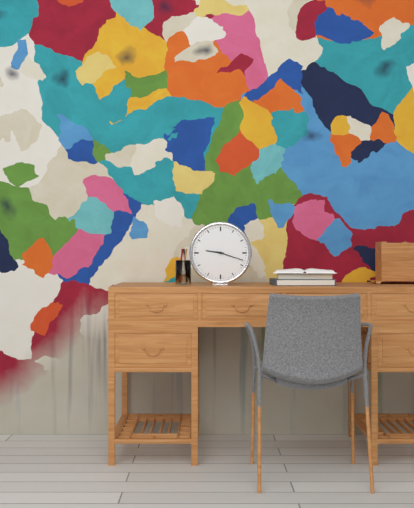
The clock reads h=9 m=18
